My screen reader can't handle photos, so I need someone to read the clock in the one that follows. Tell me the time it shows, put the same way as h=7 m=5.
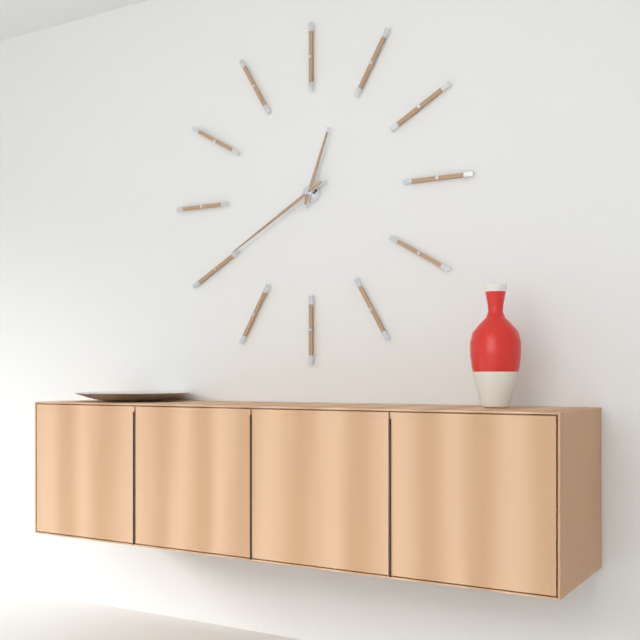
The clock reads h=12 m=40
